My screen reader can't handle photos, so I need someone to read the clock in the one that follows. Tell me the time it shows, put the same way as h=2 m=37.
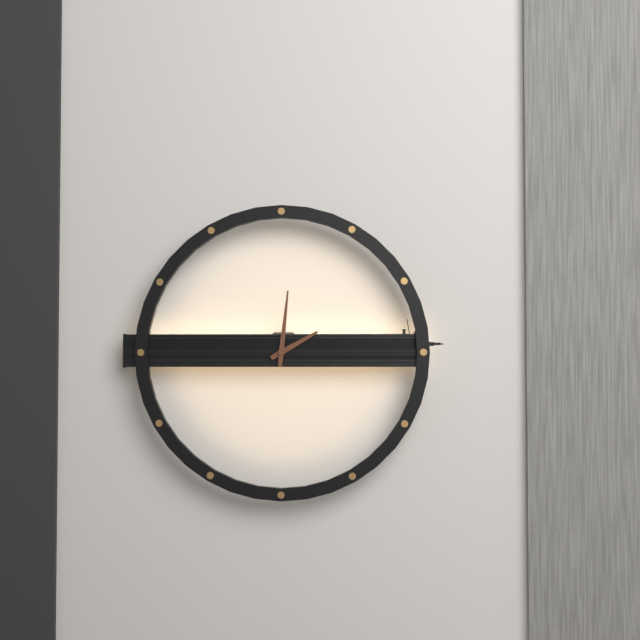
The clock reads h=2 m=1
